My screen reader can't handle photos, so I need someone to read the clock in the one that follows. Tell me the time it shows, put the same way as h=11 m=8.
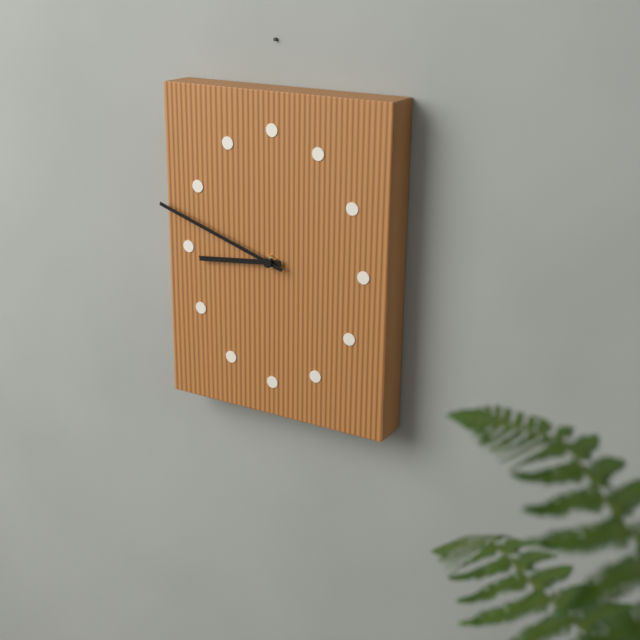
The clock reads h=8 m=48
